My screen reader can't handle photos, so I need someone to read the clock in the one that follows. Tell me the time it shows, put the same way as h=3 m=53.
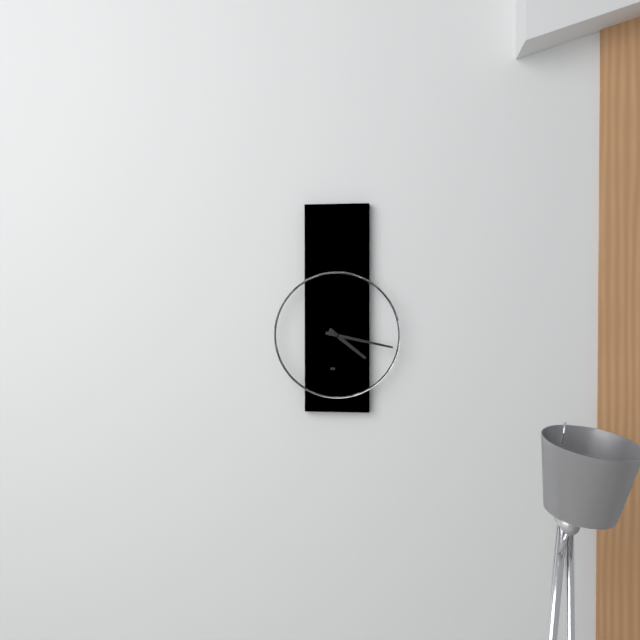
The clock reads h=4 m=17
